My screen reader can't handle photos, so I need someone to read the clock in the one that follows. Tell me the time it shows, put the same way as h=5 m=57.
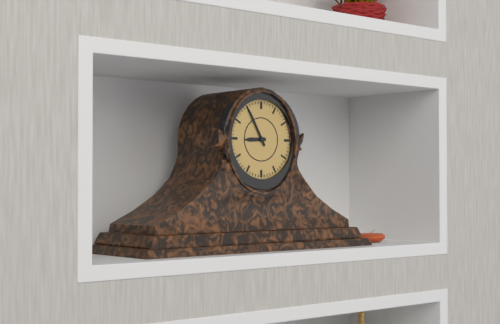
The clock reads h=8 m=55
